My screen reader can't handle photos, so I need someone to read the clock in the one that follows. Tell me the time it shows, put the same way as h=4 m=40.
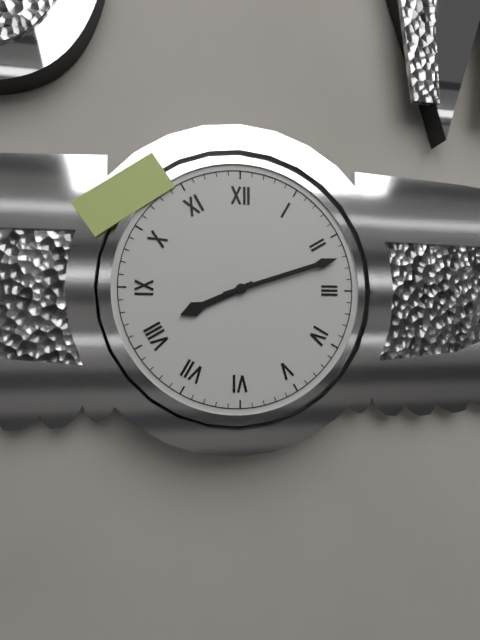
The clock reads h=8 m=12
